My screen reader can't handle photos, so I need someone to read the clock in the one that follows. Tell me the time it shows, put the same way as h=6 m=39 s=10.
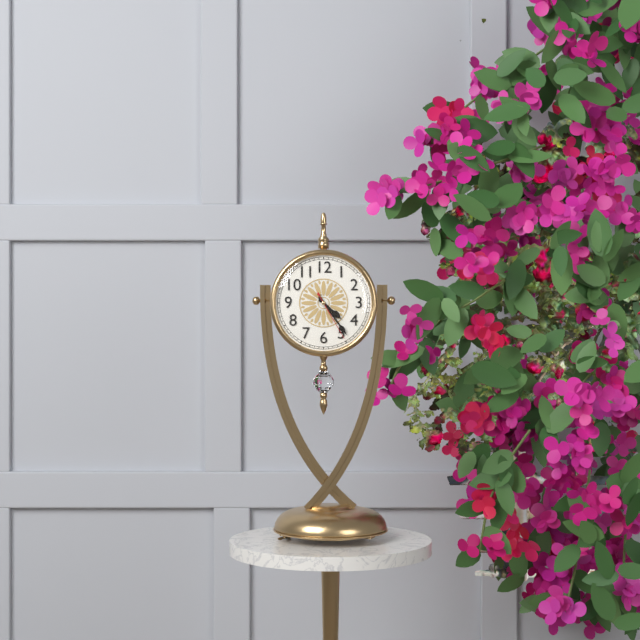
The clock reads h=4 m=24 s=25
